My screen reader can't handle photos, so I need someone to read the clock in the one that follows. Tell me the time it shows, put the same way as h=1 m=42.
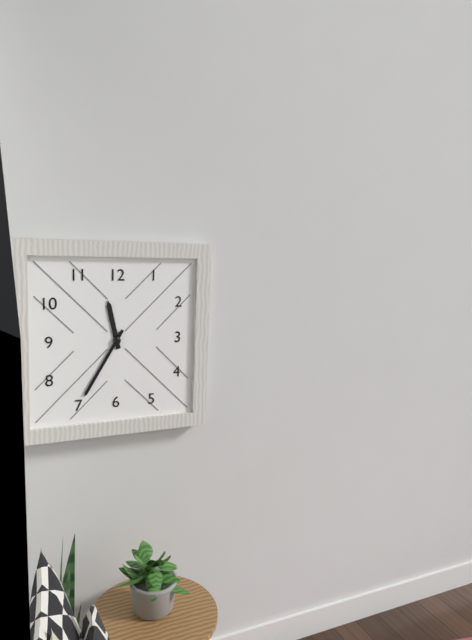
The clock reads h=11 m=35
